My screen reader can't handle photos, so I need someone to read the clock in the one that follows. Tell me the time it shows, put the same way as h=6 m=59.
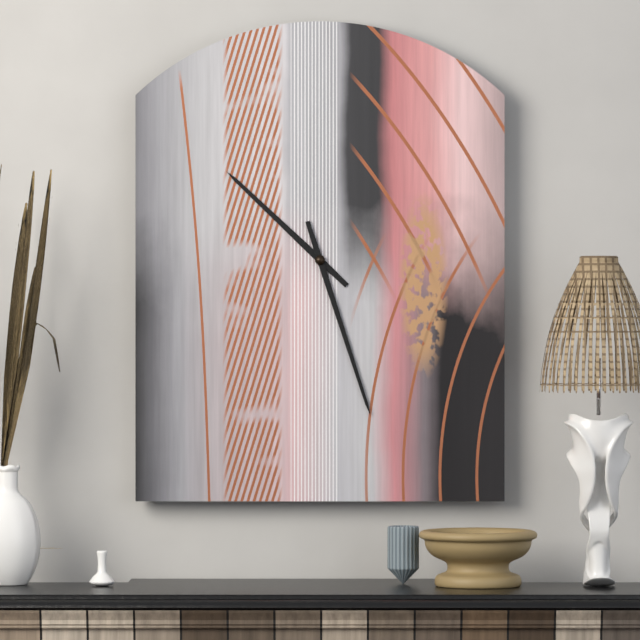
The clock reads h=10 m=27
